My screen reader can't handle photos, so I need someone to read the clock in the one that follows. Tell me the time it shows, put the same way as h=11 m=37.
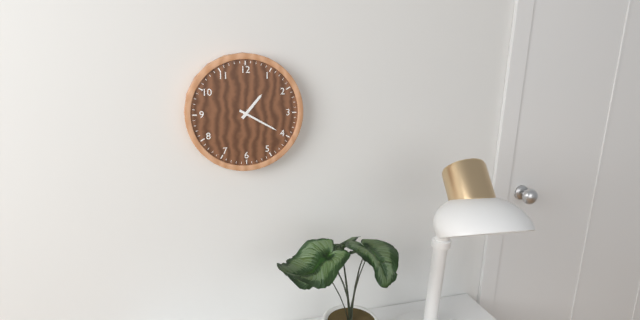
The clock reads h=1 m=20
